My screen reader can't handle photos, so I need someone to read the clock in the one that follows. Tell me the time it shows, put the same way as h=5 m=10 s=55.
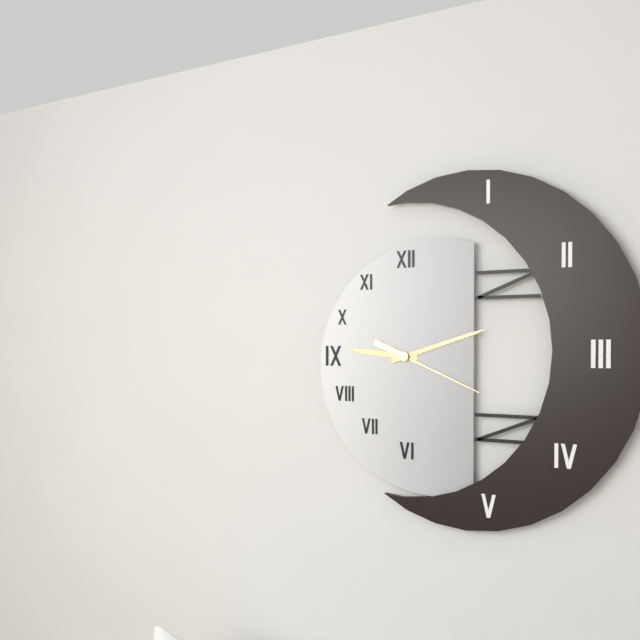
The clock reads h=9 m=12 s=19
